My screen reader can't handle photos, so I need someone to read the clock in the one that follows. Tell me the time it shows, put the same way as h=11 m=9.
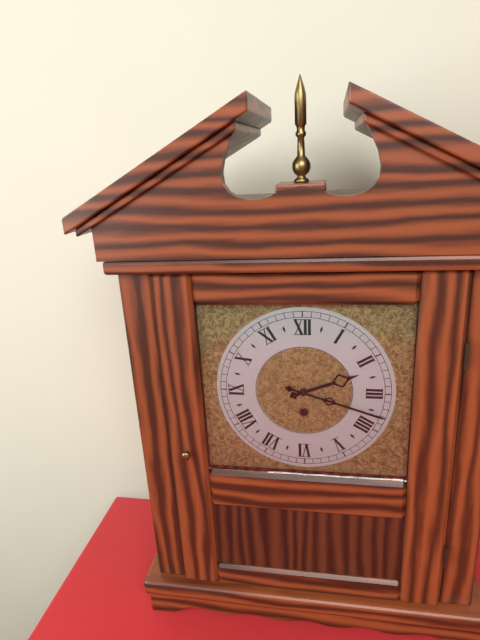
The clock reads h=2 m=18
